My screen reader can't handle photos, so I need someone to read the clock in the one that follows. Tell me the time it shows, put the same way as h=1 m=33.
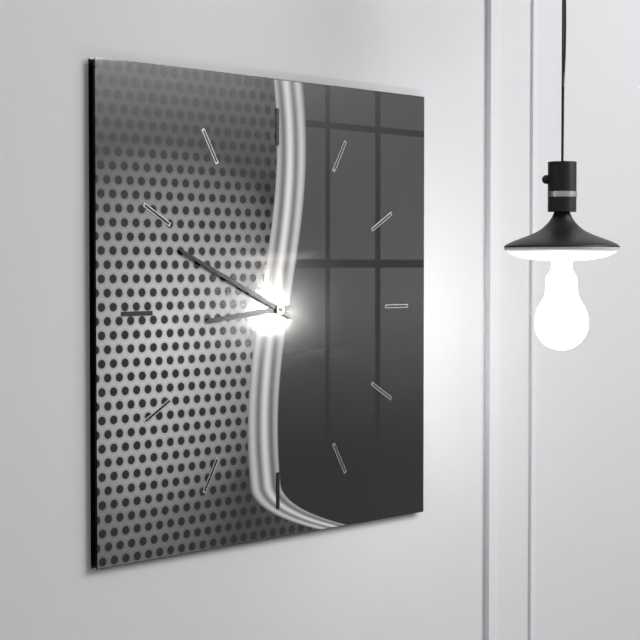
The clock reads h=8 m=49
